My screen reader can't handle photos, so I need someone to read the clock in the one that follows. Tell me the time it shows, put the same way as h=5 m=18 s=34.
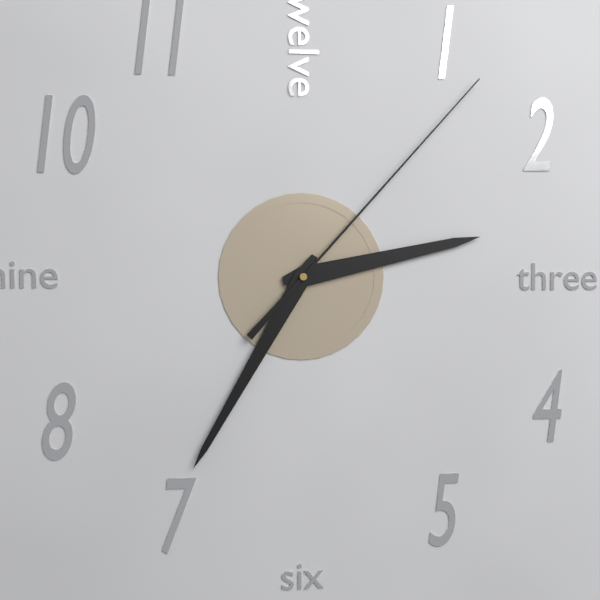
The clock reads h=2 m=35 s=7
